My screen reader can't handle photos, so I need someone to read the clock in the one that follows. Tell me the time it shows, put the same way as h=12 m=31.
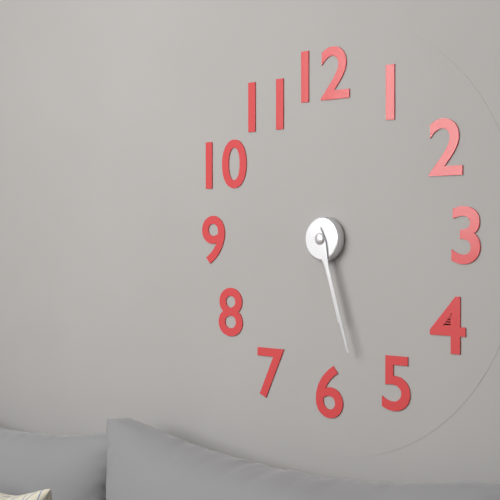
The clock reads h=5 m=27
